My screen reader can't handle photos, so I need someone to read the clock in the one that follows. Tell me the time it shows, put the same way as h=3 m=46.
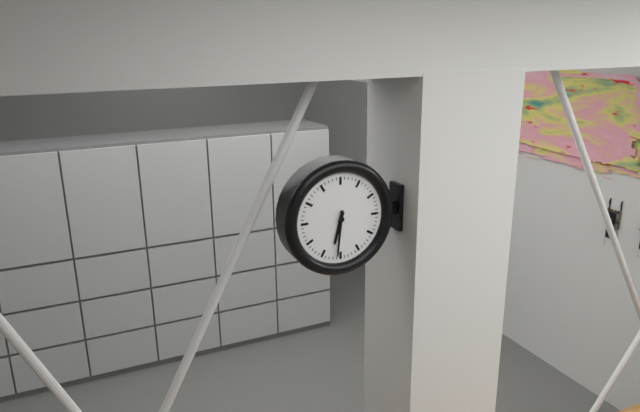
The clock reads h=6 m=31
